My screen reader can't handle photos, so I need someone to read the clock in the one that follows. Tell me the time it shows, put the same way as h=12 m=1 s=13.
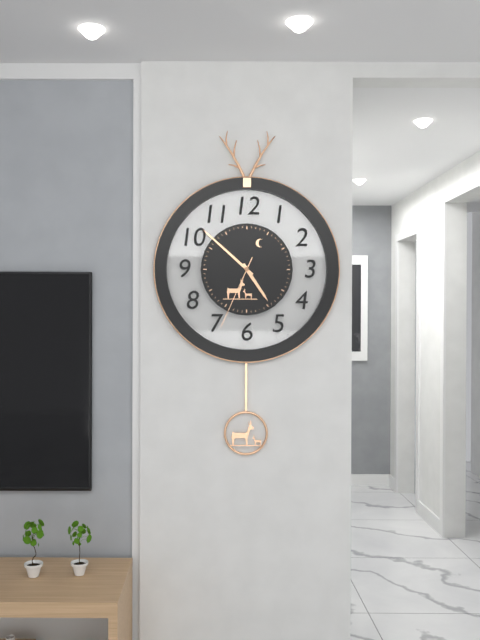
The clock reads h=4 m=52 s=34
